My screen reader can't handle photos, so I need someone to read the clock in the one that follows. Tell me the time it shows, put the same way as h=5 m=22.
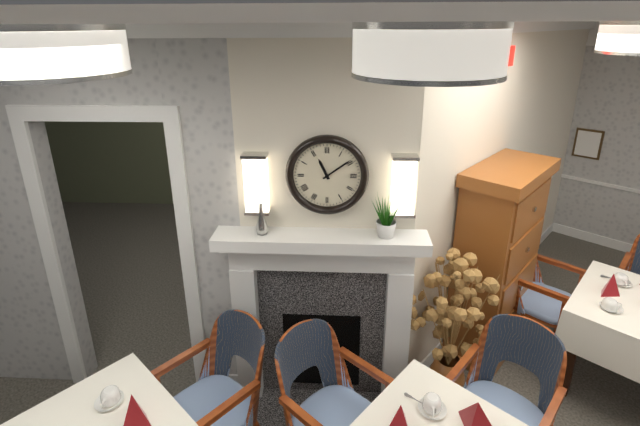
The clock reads h=11 m=9
